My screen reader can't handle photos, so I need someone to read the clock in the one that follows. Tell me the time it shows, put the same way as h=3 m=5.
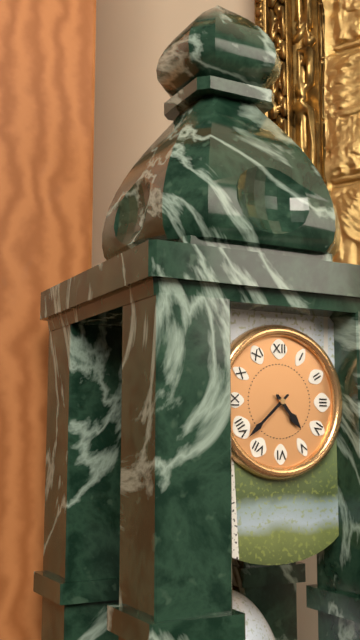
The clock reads h=4 m=38
